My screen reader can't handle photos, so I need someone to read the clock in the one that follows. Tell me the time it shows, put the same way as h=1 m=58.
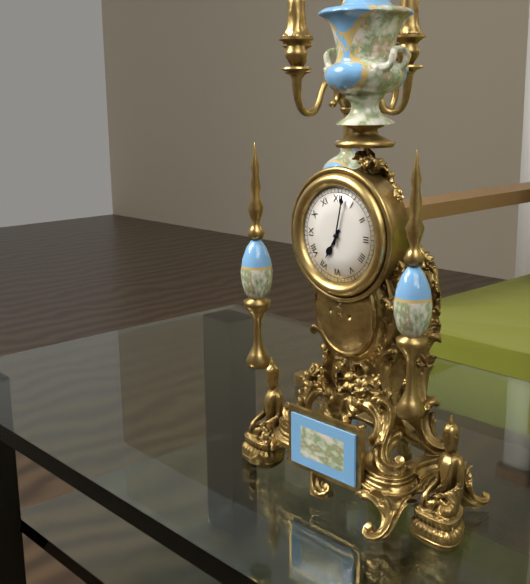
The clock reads h=7 m=2
